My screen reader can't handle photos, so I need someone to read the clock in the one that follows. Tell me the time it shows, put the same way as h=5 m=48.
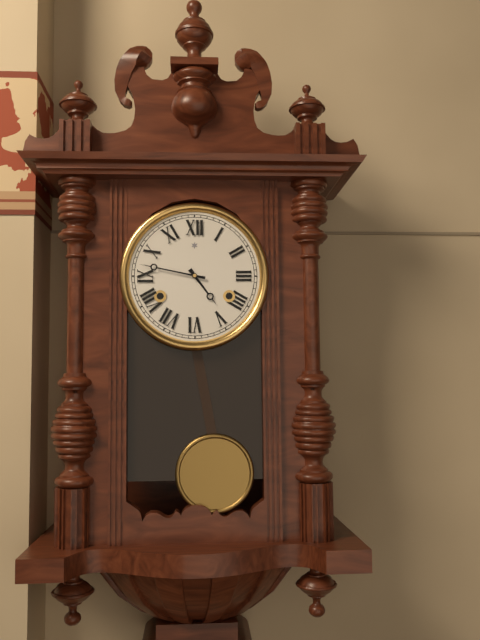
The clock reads h=4 m=47
